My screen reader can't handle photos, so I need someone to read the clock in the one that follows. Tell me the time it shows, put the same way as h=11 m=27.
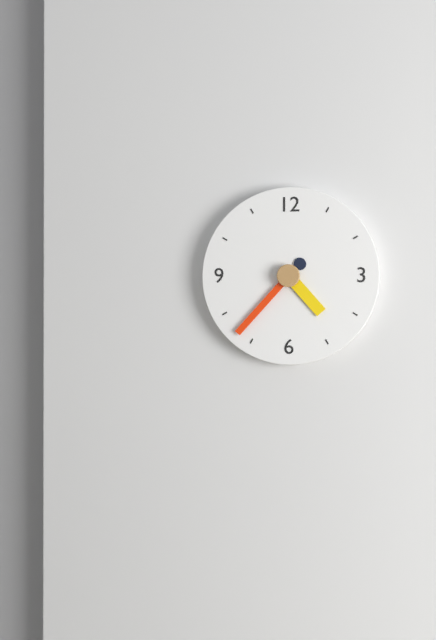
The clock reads h=4 m=37
